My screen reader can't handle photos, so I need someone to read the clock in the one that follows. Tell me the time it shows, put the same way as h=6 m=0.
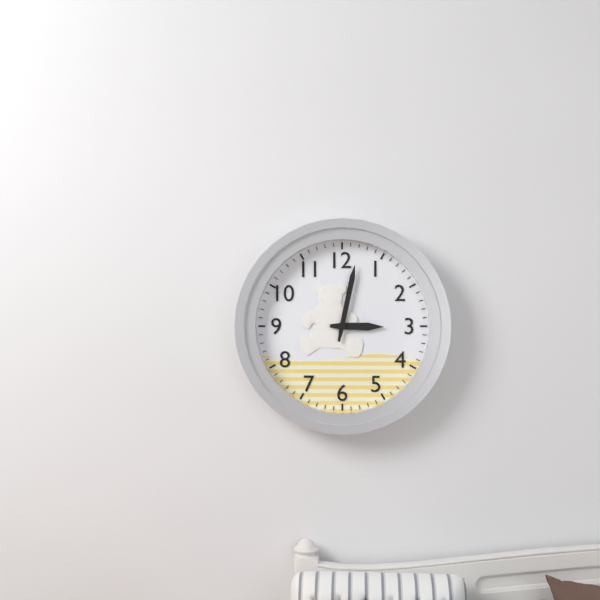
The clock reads h=3 m=2
